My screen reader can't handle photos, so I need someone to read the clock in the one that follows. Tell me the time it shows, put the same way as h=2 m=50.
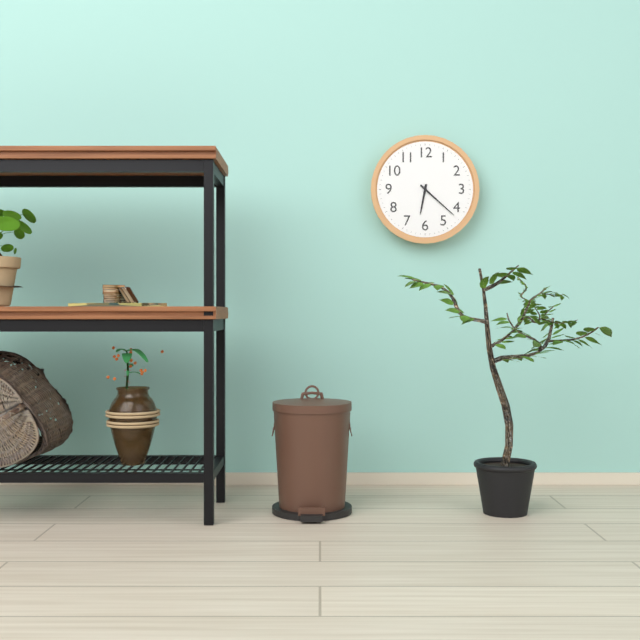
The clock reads h=6 m=22
